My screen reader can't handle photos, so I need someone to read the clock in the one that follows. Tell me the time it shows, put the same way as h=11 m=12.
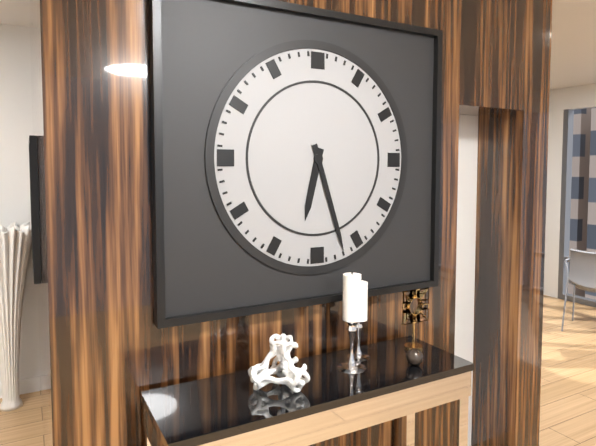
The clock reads h=6 m=27
